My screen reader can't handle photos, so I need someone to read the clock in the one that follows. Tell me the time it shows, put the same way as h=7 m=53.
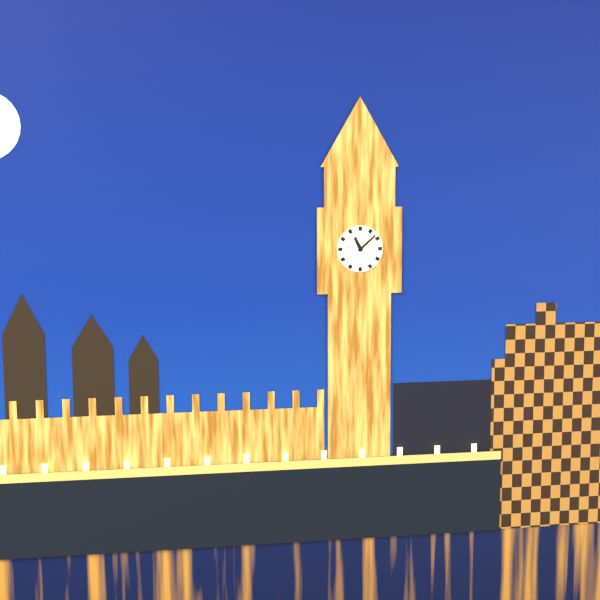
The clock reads h=11 m=8
